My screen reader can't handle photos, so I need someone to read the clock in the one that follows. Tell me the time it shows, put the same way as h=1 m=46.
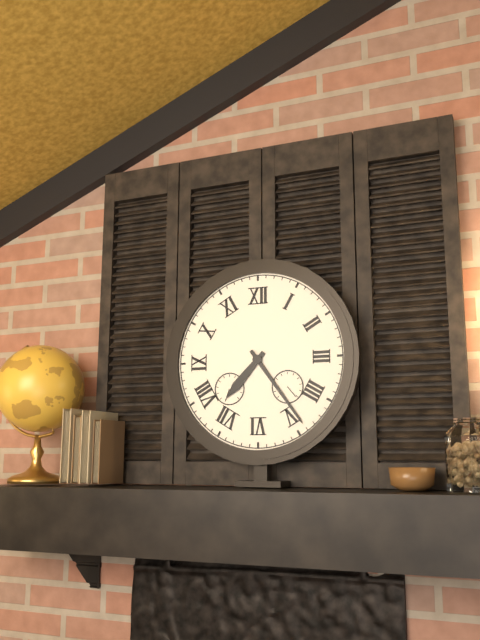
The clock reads h=7 m=24
